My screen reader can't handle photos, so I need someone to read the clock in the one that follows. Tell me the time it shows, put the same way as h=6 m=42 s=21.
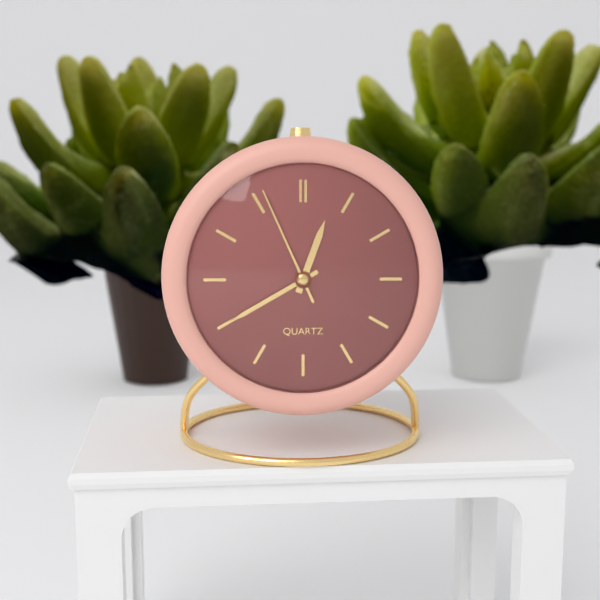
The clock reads h=12 m=40 s=56
